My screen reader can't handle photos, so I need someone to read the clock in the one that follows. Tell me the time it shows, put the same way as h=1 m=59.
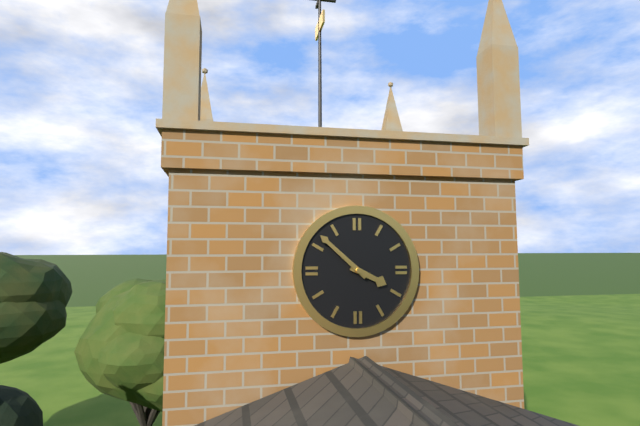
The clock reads h=3 m=52
